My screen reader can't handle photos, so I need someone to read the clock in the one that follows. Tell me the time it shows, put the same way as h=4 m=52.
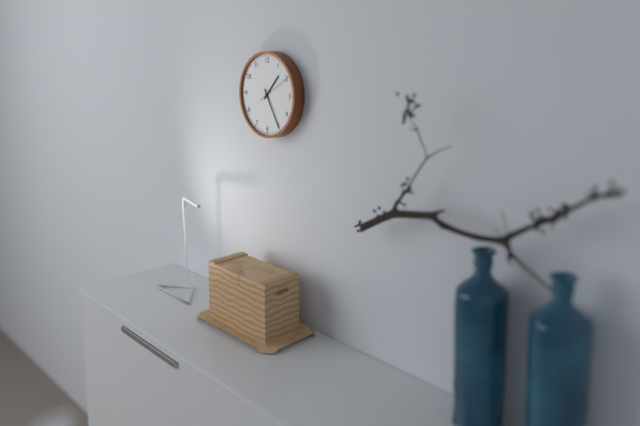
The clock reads h=1 m=25
